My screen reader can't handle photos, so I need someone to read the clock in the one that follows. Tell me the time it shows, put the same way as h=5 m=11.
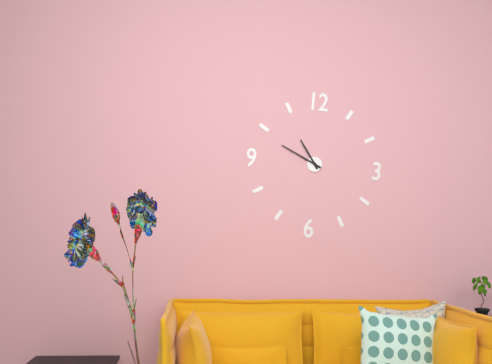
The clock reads h=10 m=49
